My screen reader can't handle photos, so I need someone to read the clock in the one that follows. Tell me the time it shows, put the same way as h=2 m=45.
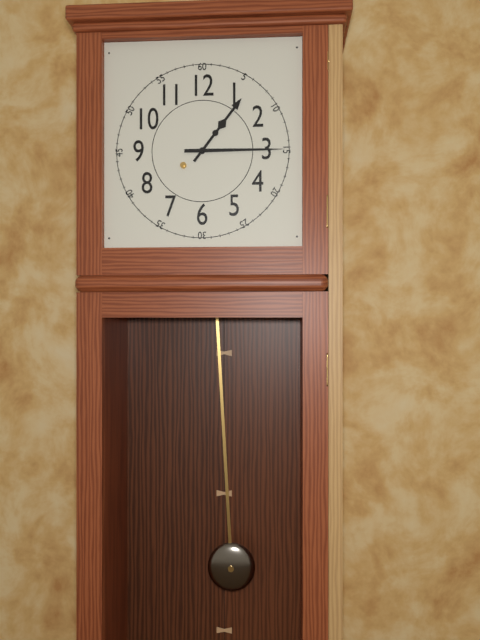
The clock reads h=1 m=15
